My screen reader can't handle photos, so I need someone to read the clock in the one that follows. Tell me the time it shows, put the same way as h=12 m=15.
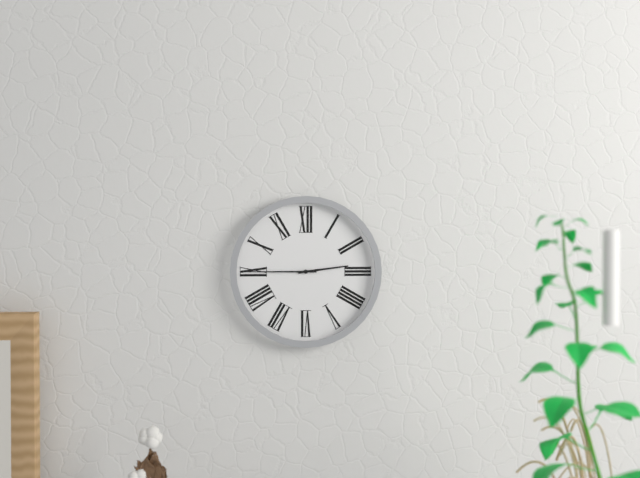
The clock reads h=2 m=45
